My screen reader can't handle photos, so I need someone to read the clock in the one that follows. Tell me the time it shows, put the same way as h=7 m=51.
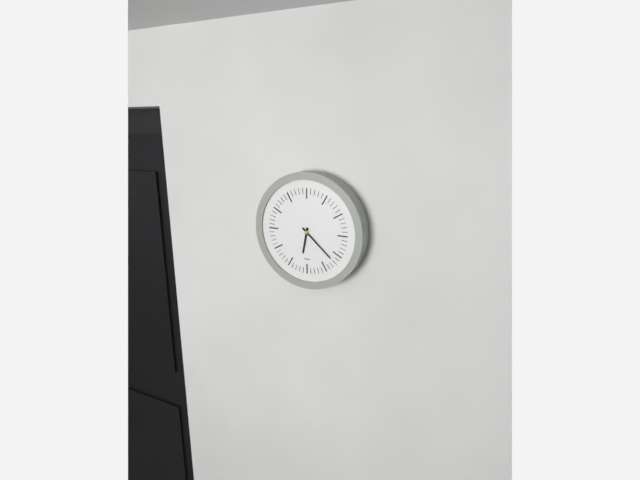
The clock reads h=6 m=22
